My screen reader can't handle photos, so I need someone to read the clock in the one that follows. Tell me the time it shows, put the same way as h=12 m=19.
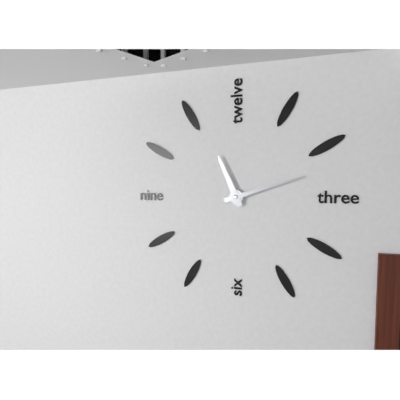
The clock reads h=11 m=12
